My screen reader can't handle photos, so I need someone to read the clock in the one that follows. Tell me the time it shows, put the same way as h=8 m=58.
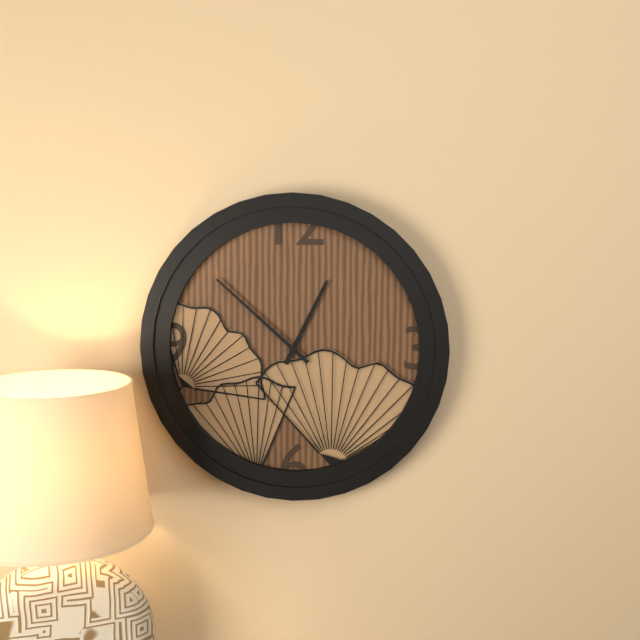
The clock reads h=12 m=52
